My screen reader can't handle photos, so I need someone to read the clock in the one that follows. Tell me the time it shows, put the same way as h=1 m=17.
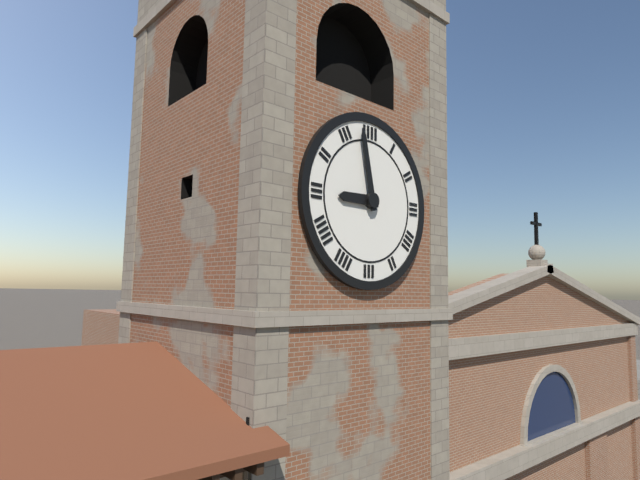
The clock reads h=8 m=58
